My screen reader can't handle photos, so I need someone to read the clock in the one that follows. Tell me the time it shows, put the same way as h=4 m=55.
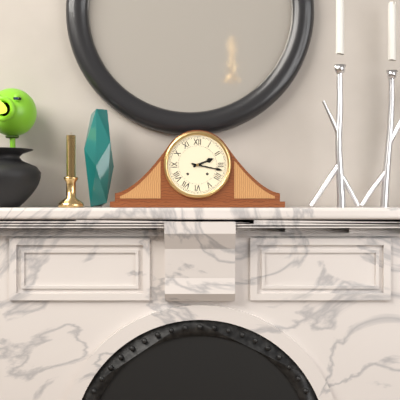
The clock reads h=2 m=17
